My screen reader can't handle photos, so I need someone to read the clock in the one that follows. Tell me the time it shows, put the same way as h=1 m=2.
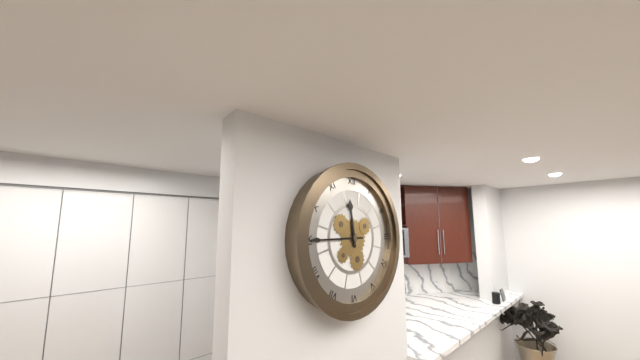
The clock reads h=11 m=45
